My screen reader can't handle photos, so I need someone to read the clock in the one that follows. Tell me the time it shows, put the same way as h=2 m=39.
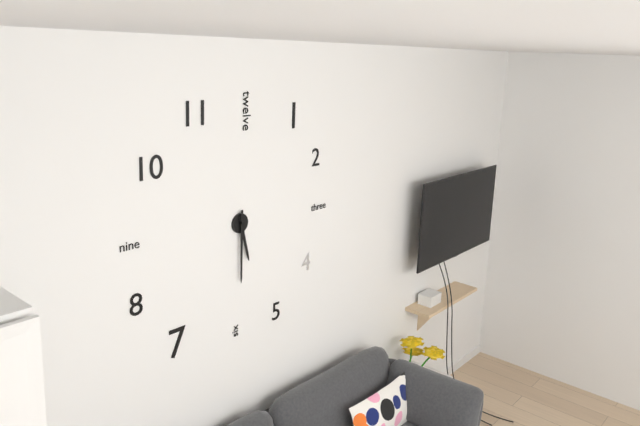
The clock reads h=5 m=30
